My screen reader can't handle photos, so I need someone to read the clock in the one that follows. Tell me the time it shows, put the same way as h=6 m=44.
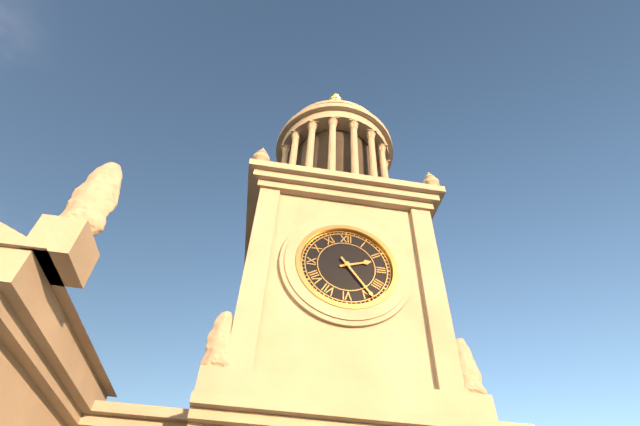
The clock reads h=2 m=24
